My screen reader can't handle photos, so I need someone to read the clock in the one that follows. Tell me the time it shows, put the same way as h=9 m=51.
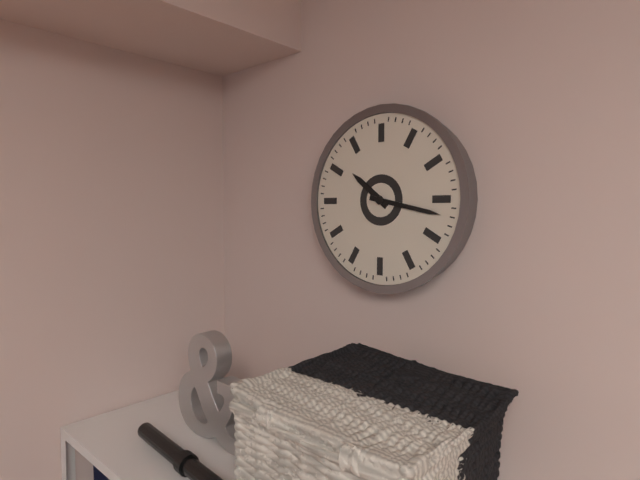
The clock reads h=10 m=17
